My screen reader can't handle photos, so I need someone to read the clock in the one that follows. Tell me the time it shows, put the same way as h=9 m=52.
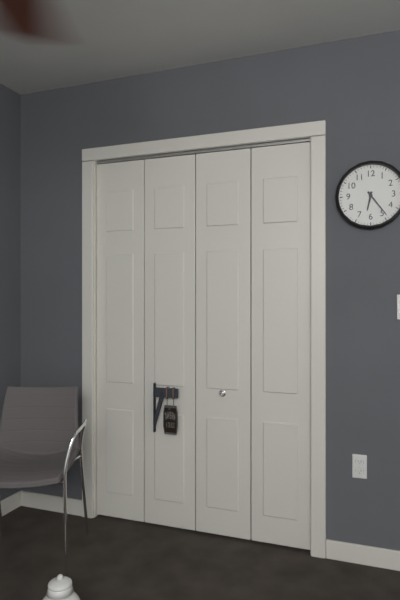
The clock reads h=6 m=24
